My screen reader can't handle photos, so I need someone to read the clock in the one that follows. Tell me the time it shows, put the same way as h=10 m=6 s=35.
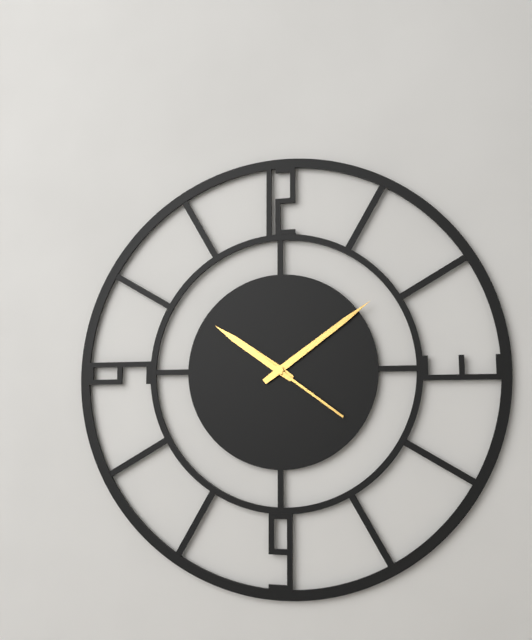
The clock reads h=10 m=9 s=21
